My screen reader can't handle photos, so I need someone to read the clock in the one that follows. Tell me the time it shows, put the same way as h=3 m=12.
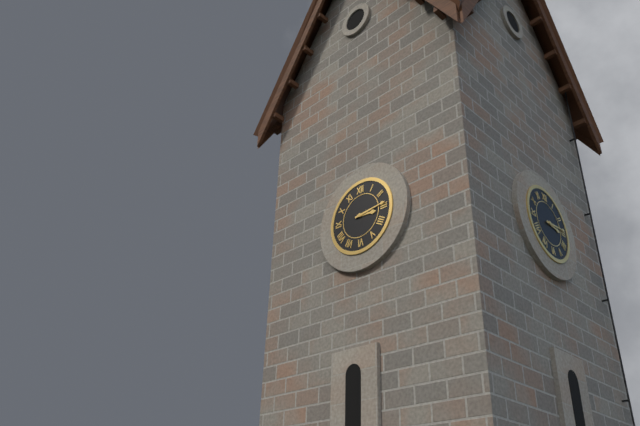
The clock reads h=3 m=14
